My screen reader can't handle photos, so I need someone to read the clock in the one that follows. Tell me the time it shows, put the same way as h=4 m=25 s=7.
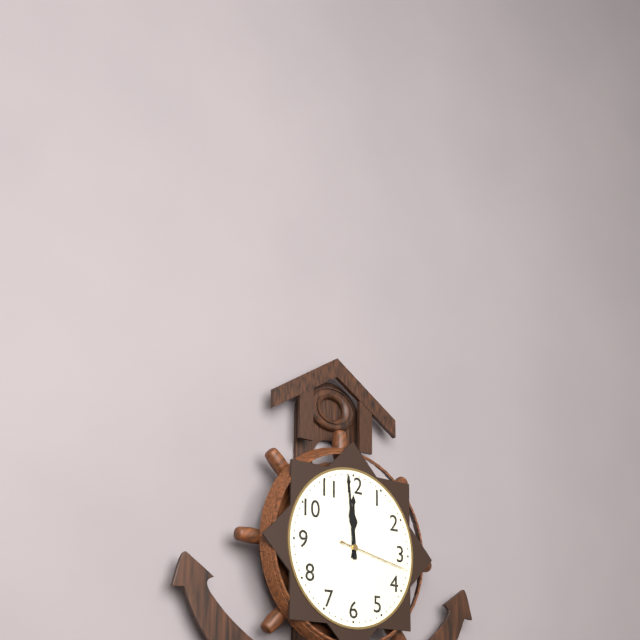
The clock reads h=11 m=59 s=17
